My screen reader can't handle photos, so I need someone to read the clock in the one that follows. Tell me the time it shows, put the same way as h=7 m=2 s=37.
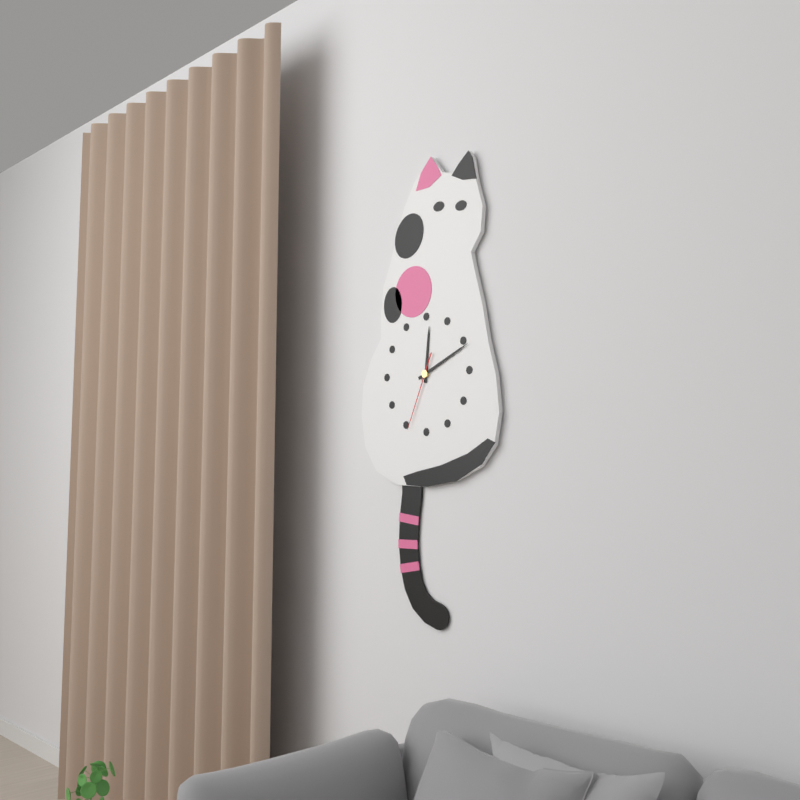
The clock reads h=12 m=11 s=34
